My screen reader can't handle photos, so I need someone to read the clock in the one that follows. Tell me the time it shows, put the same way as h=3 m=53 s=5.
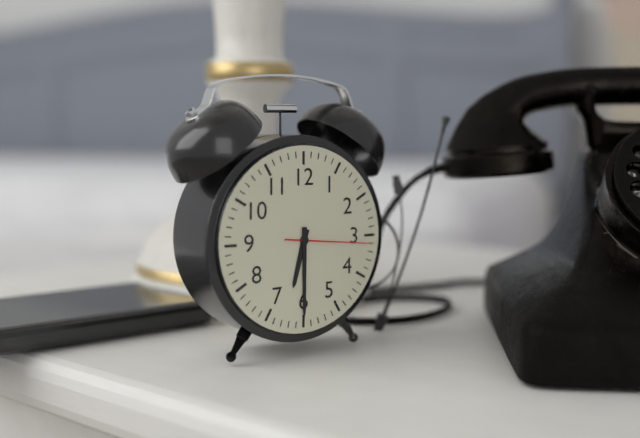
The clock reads h=6 m=30 s=16
